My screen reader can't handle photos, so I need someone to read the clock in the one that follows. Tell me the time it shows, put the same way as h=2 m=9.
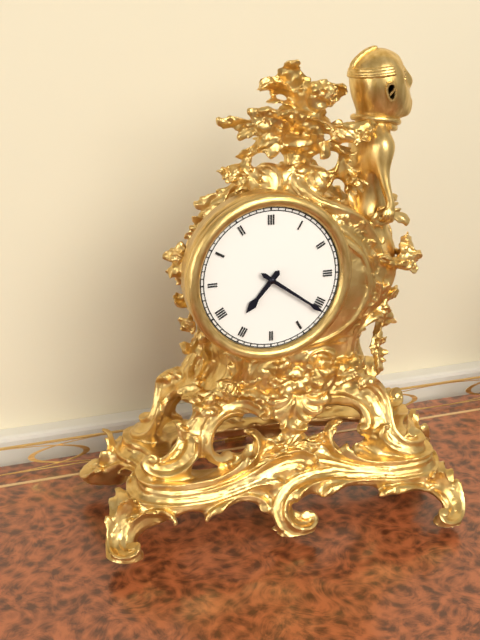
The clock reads h=7 m=21
